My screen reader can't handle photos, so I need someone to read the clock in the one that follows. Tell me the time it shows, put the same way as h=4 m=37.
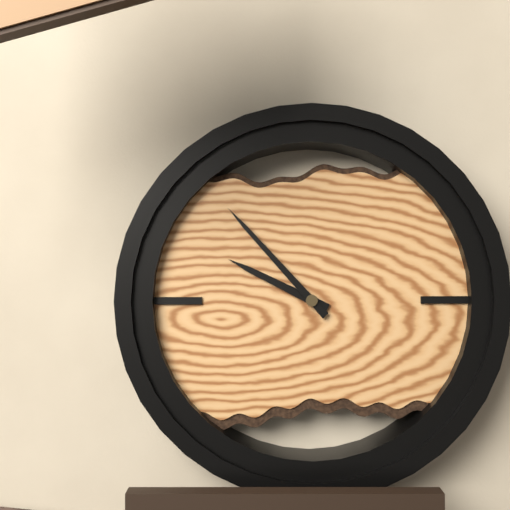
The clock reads h=9 m=53
